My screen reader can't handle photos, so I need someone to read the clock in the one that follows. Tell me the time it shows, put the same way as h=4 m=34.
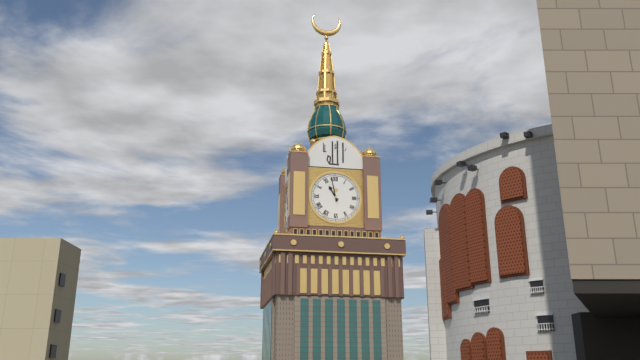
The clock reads h=10 m=58
